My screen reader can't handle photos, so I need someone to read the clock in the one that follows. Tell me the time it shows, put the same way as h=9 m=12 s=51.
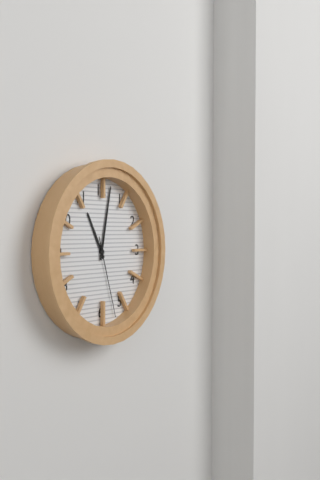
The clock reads h=11 m=2 s=27
